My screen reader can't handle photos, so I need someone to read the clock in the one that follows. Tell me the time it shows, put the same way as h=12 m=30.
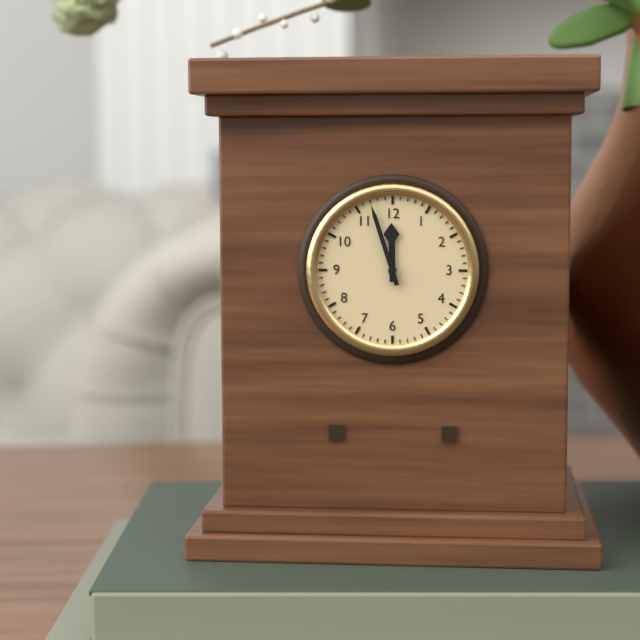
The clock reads h=11 m=57
